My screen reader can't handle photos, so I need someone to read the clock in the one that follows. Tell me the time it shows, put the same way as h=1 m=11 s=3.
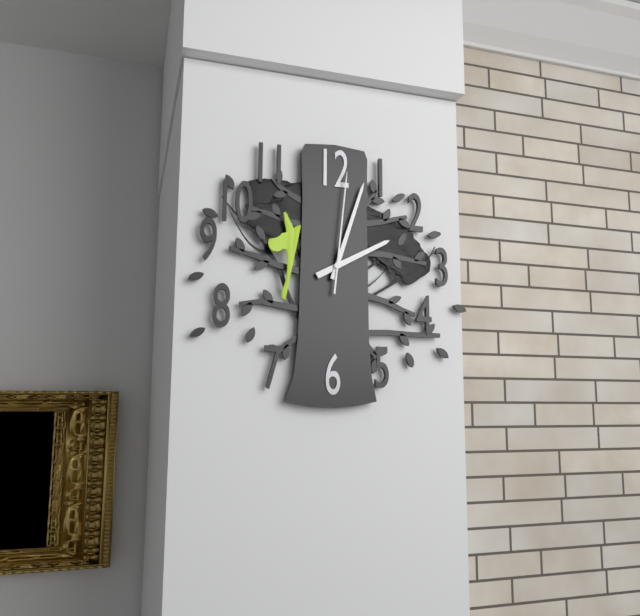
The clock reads h=2 m=3 s=1
